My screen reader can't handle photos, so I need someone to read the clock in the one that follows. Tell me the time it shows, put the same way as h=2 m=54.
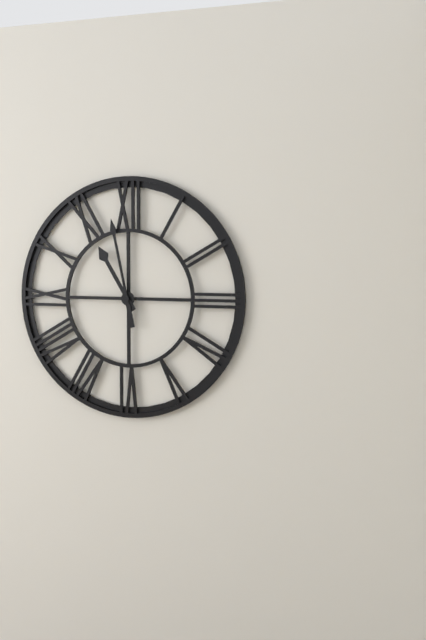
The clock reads h=10 m=58
